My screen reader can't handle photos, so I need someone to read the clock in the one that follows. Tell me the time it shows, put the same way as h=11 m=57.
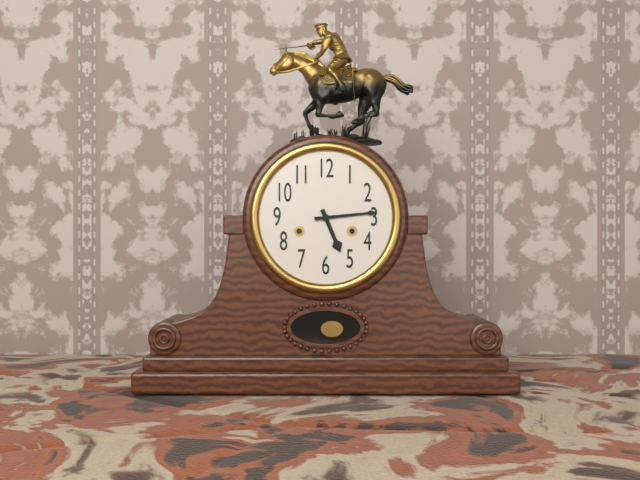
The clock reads h=5 m=14
